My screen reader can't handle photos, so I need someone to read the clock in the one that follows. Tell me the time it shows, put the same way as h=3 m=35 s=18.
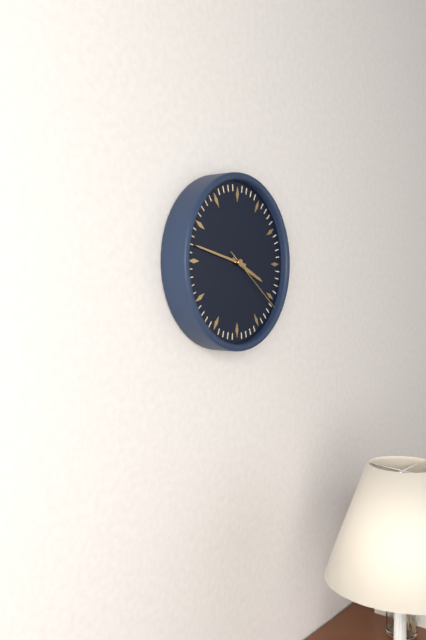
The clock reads h=3 m=47 s=21
